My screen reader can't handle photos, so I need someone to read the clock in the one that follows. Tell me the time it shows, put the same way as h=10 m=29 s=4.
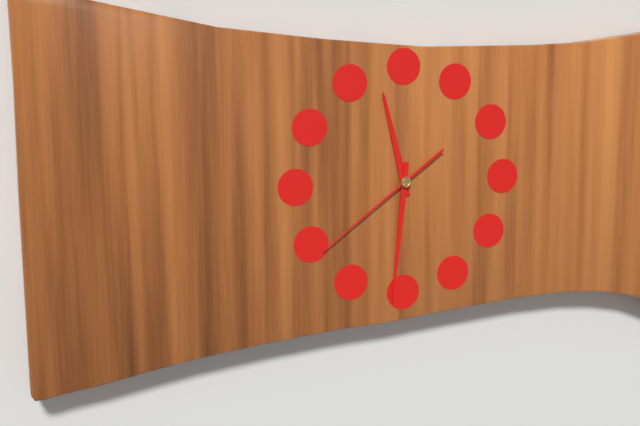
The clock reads h=11 m=31 s=39
